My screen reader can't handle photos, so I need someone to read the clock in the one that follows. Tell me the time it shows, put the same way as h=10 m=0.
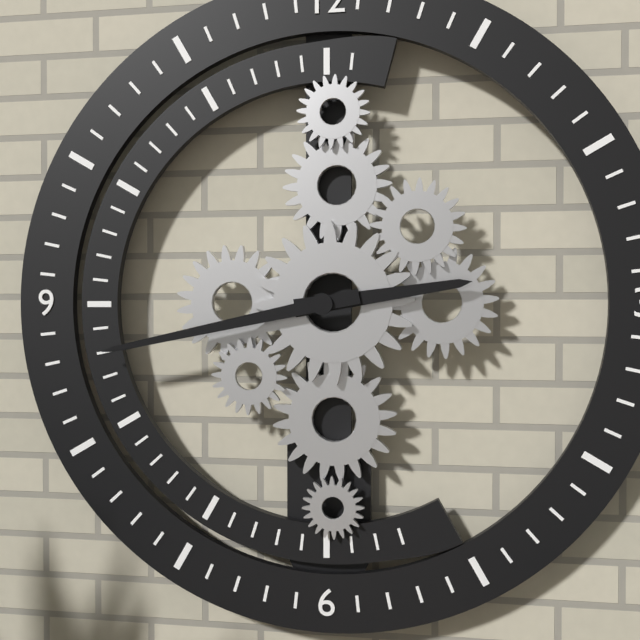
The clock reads h=2 m=43
